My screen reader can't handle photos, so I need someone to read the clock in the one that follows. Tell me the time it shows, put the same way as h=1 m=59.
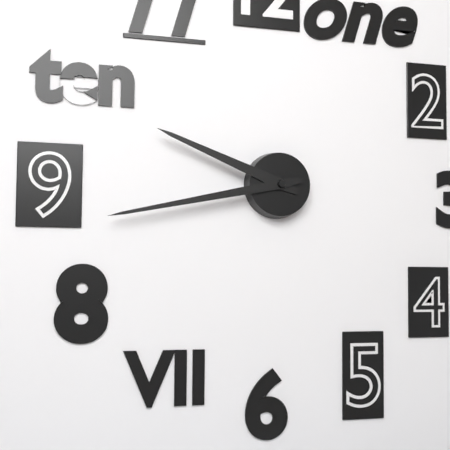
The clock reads h=9 m=43
